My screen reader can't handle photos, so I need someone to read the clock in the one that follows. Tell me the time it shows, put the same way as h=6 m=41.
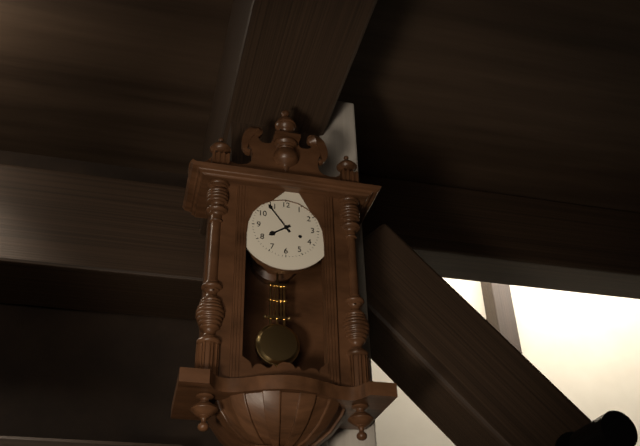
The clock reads h=7 m=54
